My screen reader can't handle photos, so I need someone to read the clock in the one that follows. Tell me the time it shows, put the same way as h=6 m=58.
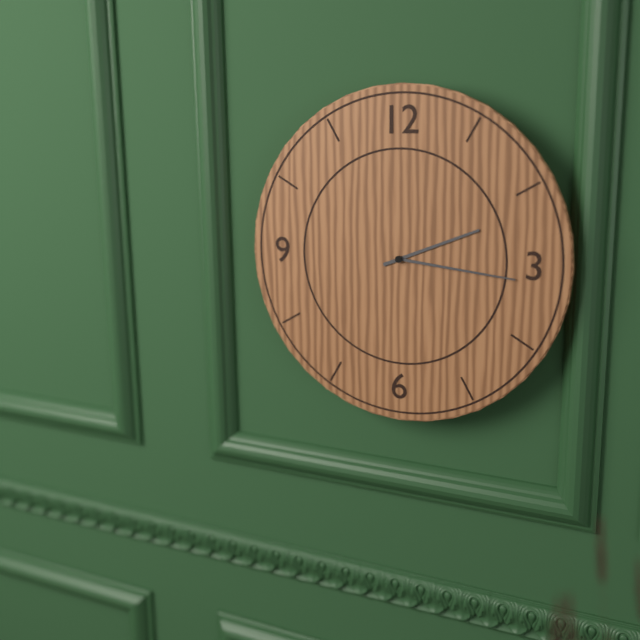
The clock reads h=2 m=16
